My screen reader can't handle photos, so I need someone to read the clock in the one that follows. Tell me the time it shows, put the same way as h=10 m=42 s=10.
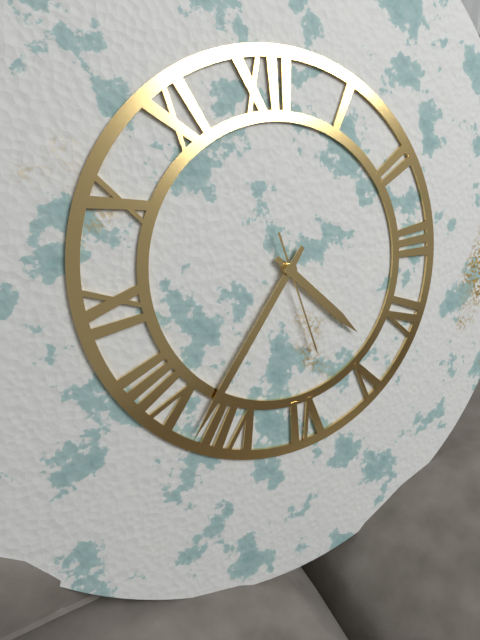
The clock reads h=4 m=37 s=28
